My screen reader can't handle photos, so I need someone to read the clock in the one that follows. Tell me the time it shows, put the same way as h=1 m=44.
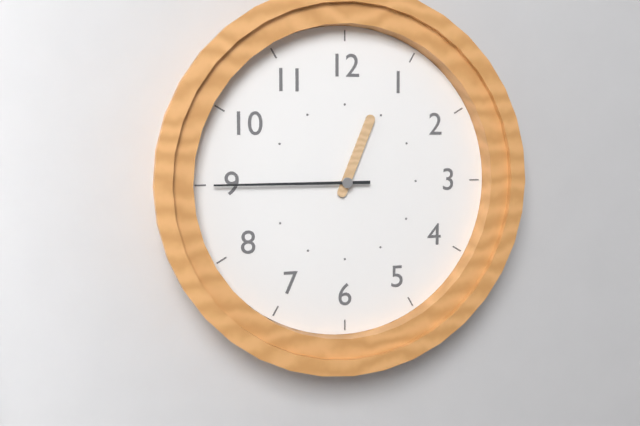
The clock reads h=12 m=45
